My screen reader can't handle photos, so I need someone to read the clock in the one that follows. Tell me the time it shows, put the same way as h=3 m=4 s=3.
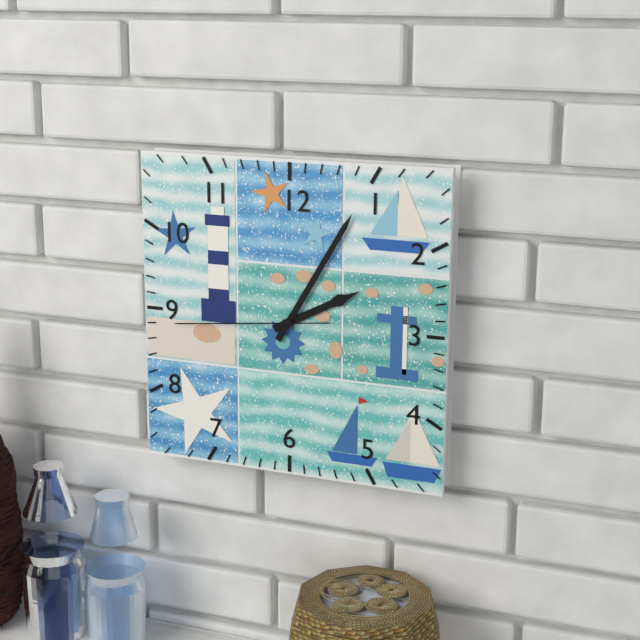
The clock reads h=2 m=5 s=44
